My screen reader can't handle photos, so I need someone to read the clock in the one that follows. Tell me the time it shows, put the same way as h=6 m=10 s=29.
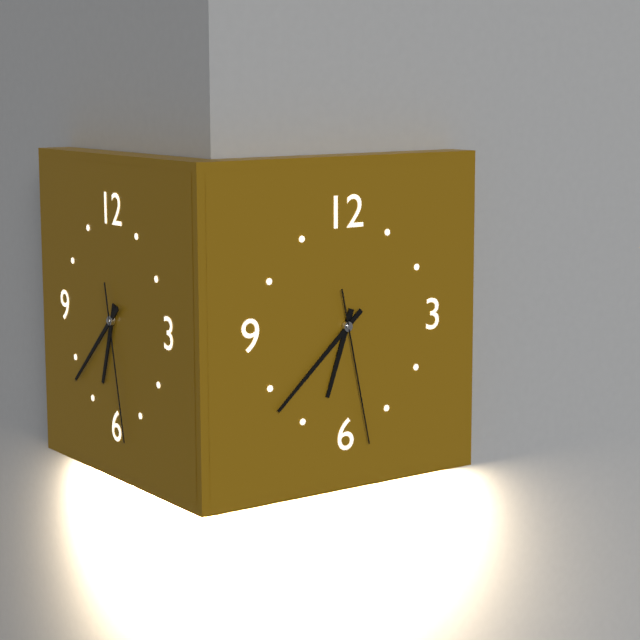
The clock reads h=6 m=38 s=28
